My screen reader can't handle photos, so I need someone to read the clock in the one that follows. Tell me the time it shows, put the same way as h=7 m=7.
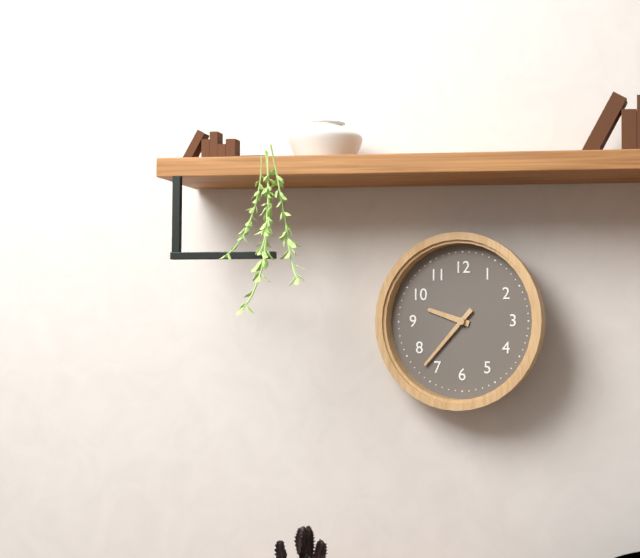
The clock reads h=9 m=37
